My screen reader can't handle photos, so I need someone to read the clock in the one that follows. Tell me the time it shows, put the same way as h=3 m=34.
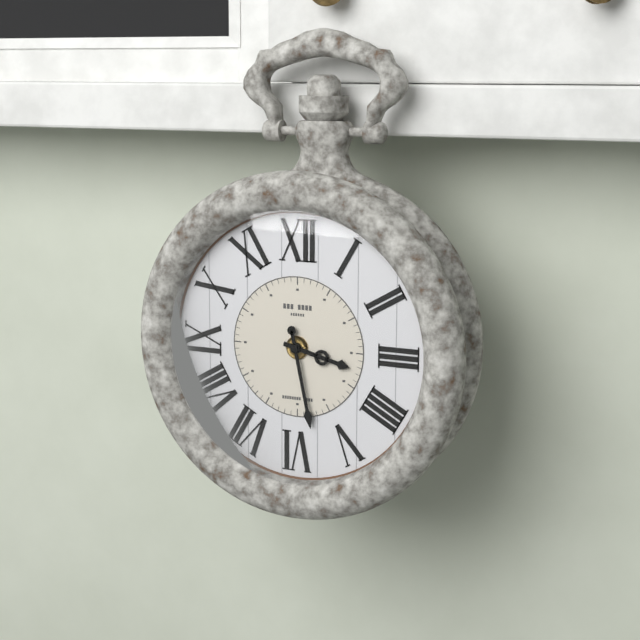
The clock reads h=3 m=28
